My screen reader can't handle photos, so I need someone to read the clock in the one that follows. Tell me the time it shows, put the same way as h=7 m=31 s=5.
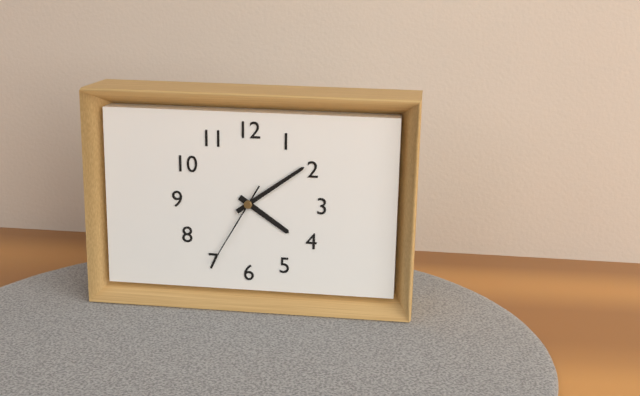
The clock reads h=4 m=9 s=35
